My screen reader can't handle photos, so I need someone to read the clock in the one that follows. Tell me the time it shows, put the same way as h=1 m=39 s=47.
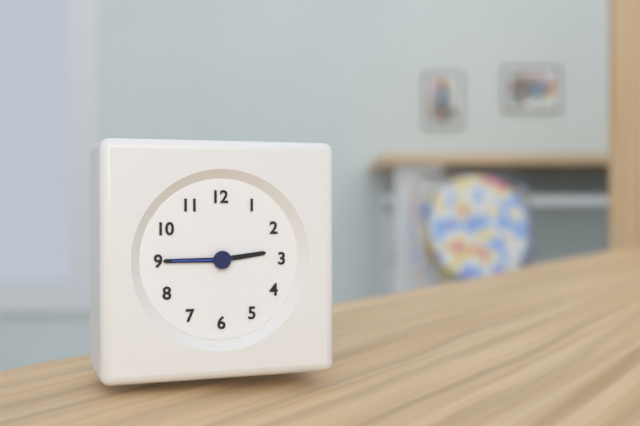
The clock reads h=2 m=45 s=45
